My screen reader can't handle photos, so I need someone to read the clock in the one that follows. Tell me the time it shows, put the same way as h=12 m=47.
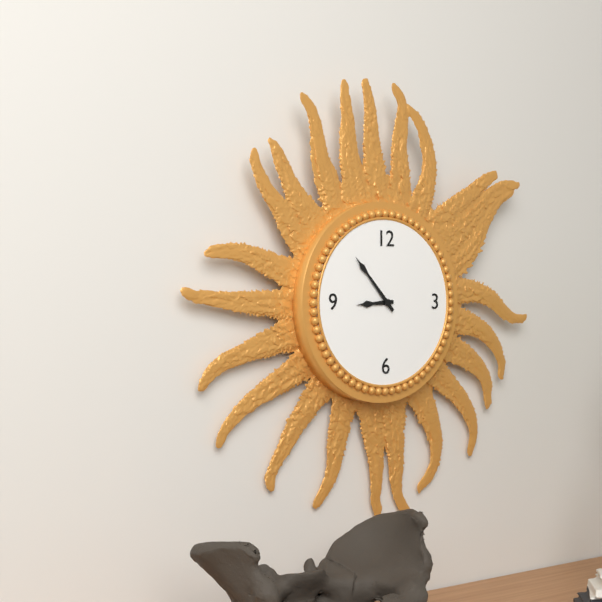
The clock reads h=8 m=53
